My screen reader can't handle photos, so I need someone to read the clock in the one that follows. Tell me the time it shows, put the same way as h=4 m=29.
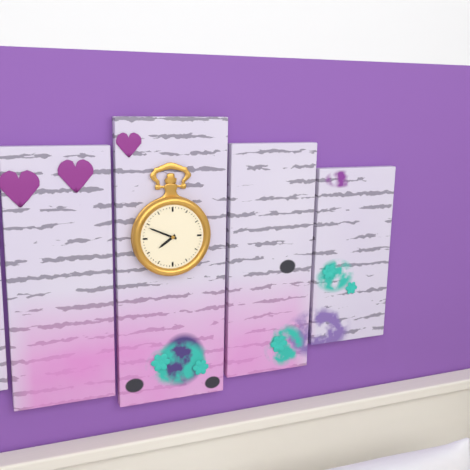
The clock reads h=7 m=49
